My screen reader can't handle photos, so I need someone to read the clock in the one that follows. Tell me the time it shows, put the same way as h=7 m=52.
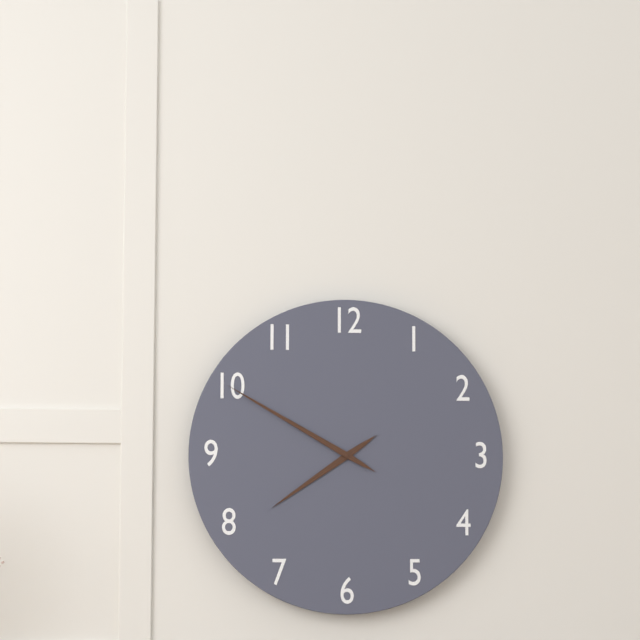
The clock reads h=7 m=50
